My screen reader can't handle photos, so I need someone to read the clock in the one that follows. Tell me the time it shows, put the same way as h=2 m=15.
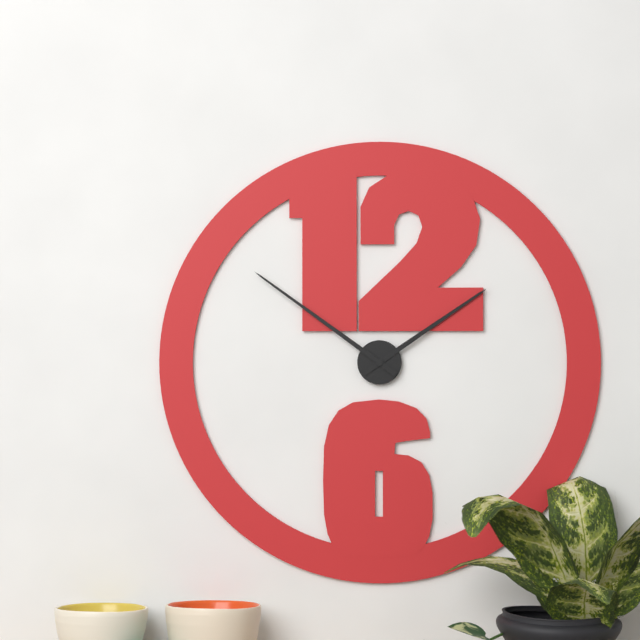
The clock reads h=1 m=51
